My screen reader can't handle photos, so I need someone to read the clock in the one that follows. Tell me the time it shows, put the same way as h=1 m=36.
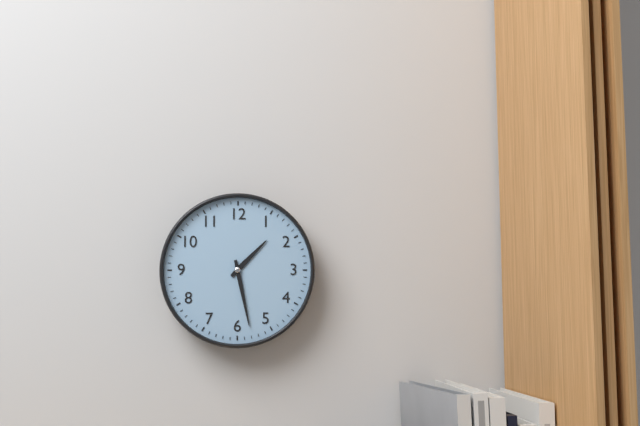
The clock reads h=1 m=28
